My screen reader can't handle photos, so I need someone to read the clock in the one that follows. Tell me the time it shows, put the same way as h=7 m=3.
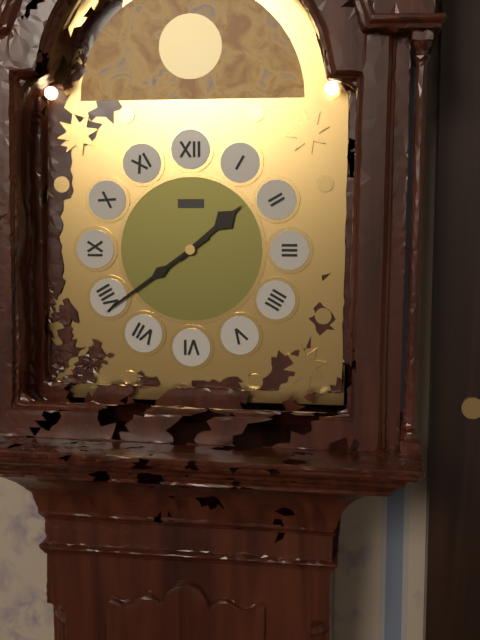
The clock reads h=1 m=39
